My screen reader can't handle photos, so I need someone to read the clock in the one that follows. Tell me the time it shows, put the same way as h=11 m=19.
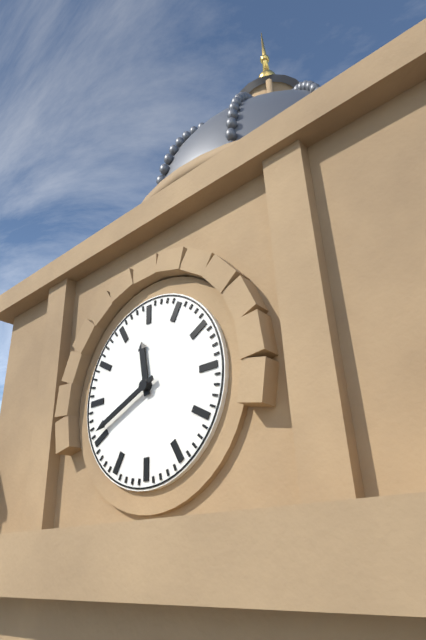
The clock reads h=11 m=41
